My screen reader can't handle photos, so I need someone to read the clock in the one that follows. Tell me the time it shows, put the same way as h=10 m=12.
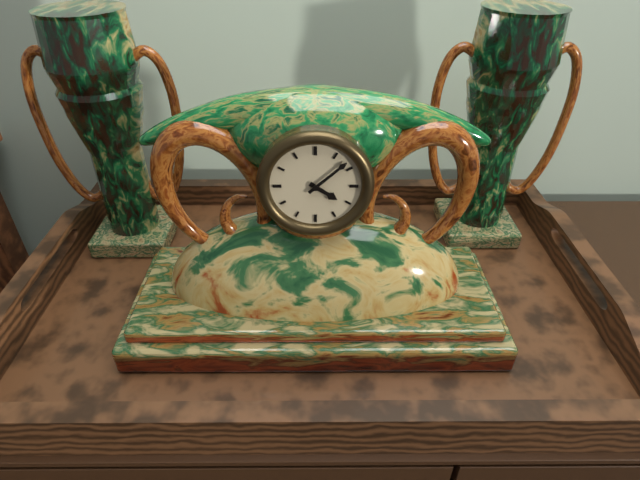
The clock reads h=4 m=8
